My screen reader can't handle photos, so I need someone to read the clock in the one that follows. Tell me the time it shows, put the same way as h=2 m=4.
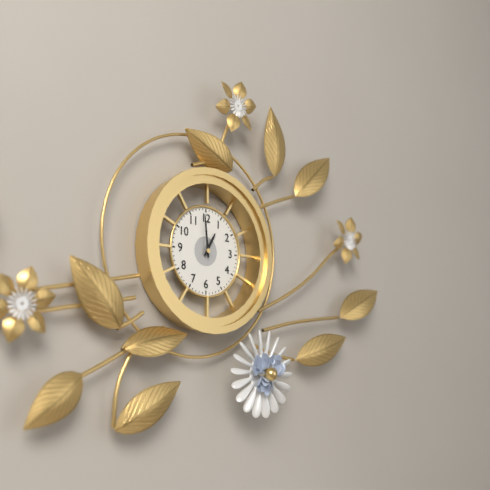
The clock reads h=12 m=59
